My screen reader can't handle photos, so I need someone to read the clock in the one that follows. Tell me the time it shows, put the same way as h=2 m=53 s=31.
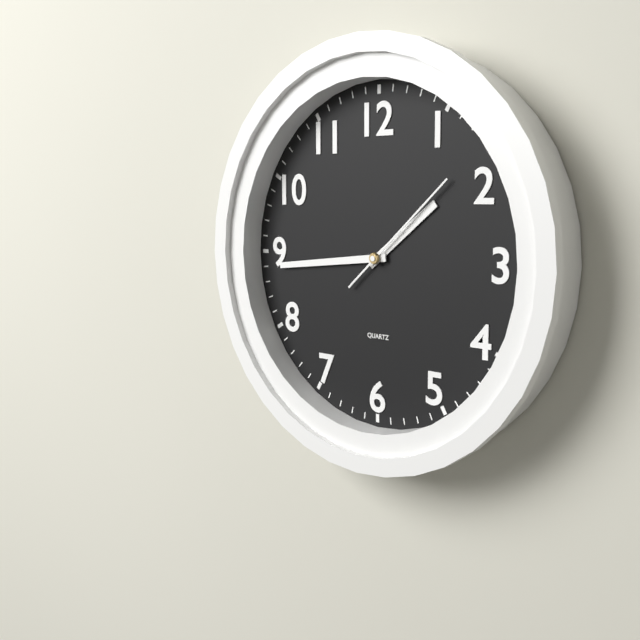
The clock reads h=1 m=44 s=8
